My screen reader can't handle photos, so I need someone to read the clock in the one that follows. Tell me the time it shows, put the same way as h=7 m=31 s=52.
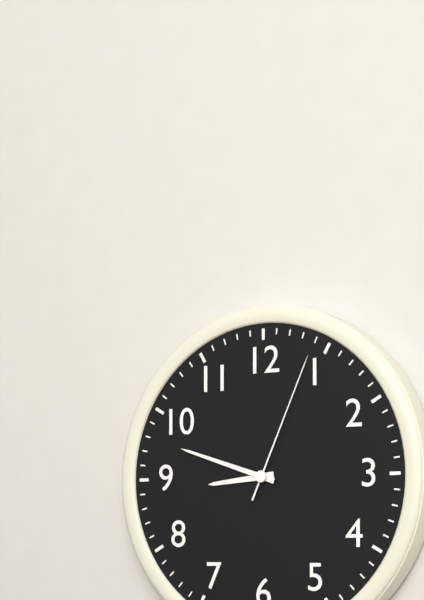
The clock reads h=8 m=48 s=4
